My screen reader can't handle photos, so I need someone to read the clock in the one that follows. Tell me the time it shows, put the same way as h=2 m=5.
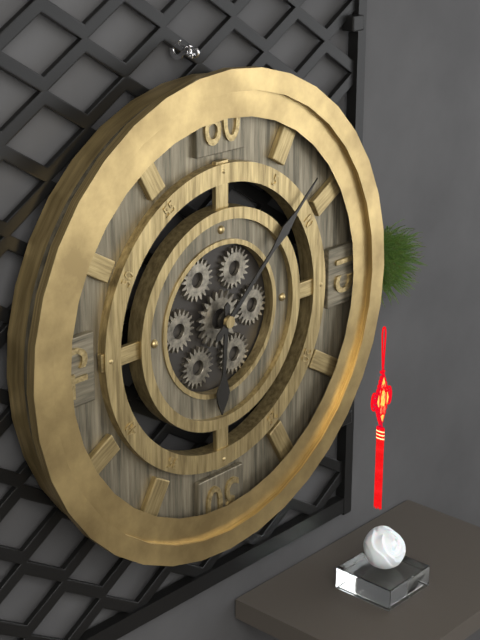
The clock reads h=6 m=8
